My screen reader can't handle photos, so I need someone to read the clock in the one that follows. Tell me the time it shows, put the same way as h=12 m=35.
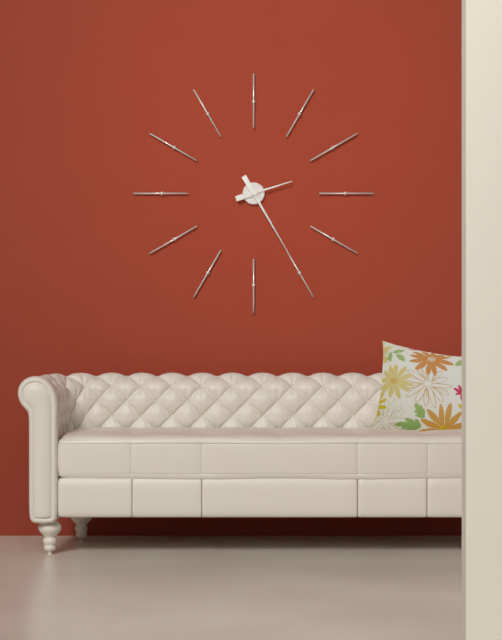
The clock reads h=2 m=25
